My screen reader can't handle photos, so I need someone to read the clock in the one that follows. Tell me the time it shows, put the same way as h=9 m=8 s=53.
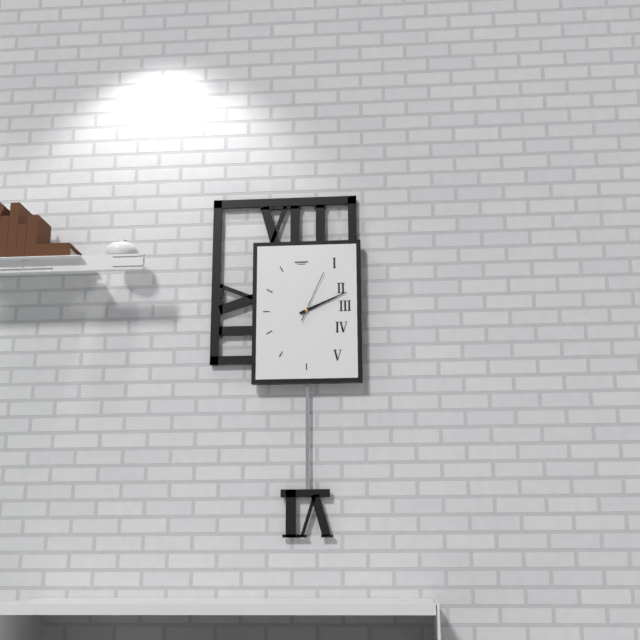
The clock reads h=2 m=11 s=4
